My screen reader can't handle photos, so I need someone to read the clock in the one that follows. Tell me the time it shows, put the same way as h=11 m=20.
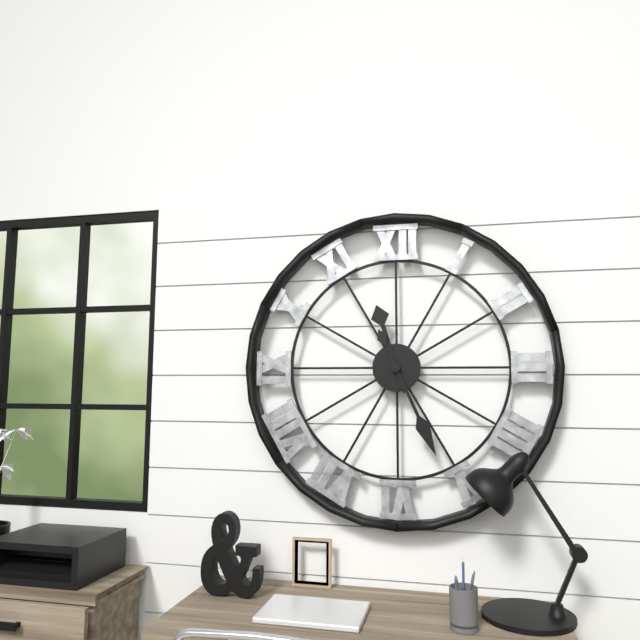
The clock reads h=11 m=26
